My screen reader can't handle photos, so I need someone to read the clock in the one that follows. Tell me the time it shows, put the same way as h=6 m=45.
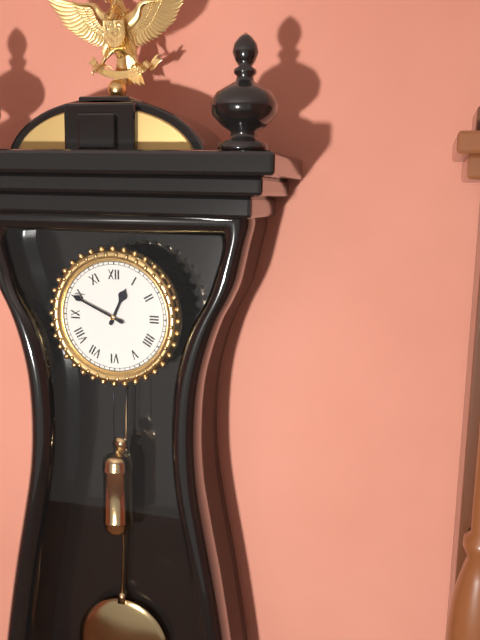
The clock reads h=12 m=49
